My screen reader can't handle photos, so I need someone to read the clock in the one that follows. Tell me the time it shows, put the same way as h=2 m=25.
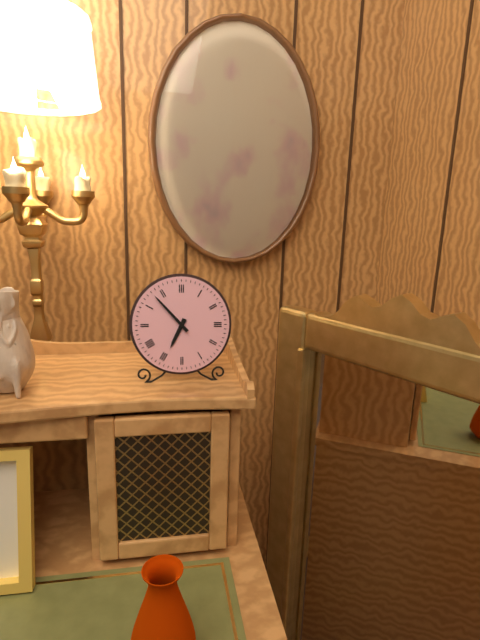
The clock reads h=6 m=53
